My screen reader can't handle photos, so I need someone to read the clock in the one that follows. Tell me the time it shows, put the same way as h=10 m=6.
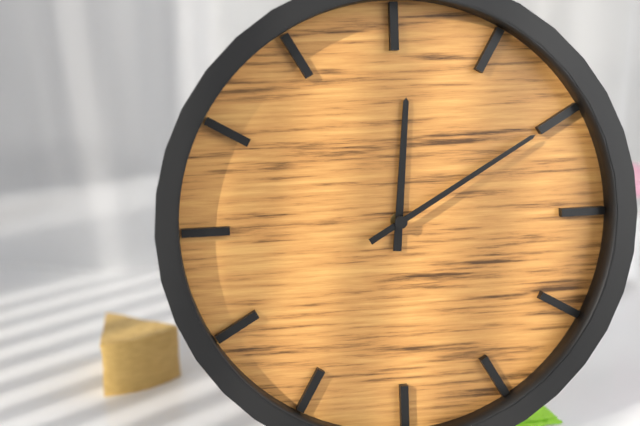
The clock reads h=12 m=10
